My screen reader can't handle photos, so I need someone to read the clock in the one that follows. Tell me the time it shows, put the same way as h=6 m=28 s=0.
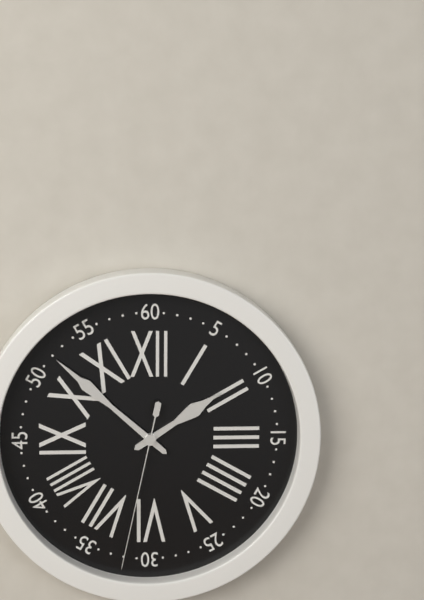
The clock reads h=1 m=52 s=32
